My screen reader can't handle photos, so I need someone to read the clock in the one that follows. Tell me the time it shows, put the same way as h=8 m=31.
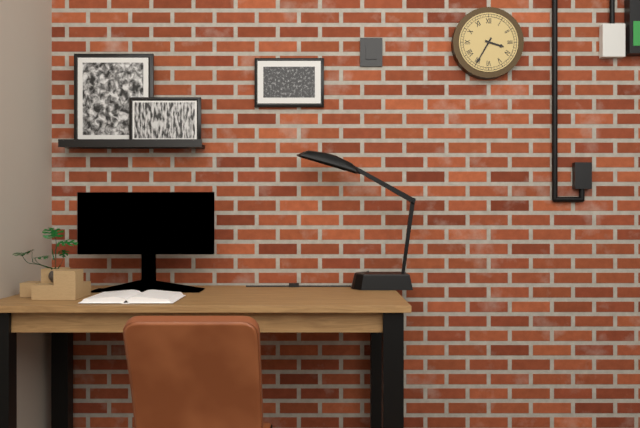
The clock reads h=3 m=35
